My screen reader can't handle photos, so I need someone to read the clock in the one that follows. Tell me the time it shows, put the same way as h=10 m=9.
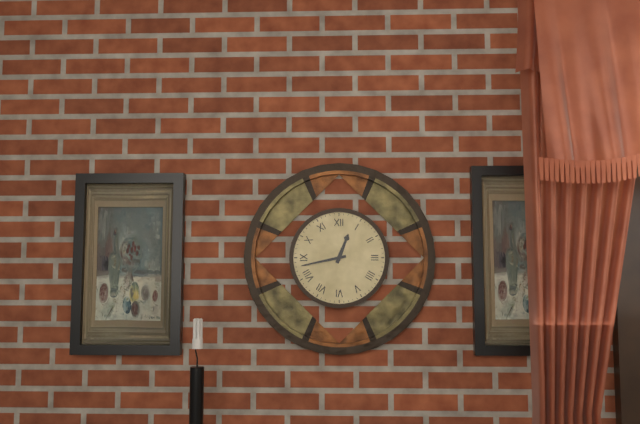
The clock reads h=12 m=43
